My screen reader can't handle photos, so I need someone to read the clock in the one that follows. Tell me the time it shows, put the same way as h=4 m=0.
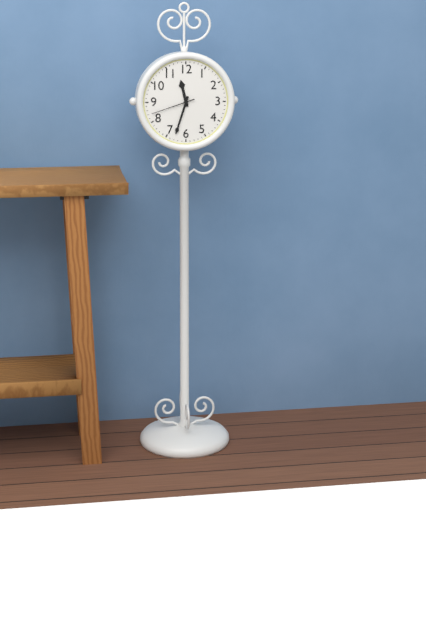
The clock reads h=11 m=33
